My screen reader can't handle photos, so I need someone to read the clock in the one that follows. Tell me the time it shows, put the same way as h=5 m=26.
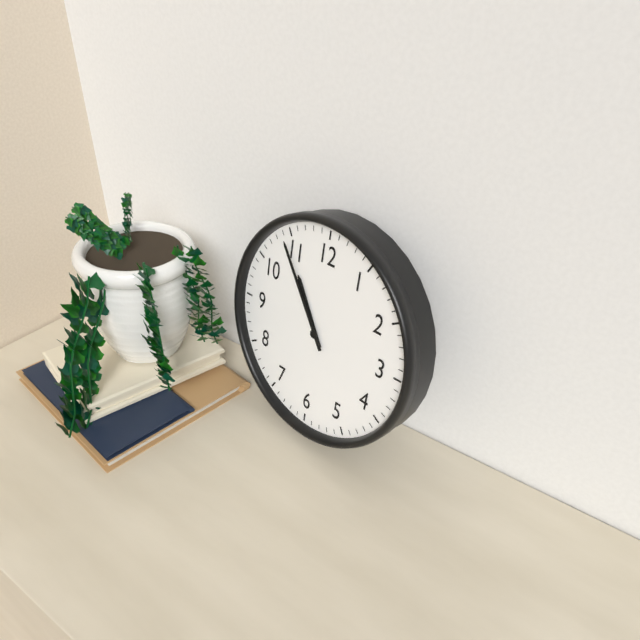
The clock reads h=10 m=54
